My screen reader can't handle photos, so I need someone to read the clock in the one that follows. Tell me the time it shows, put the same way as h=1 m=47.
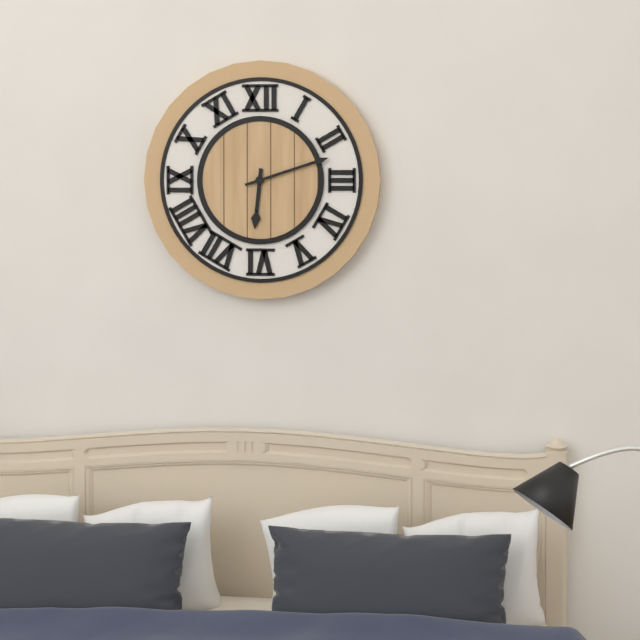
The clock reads h=6 m=12
